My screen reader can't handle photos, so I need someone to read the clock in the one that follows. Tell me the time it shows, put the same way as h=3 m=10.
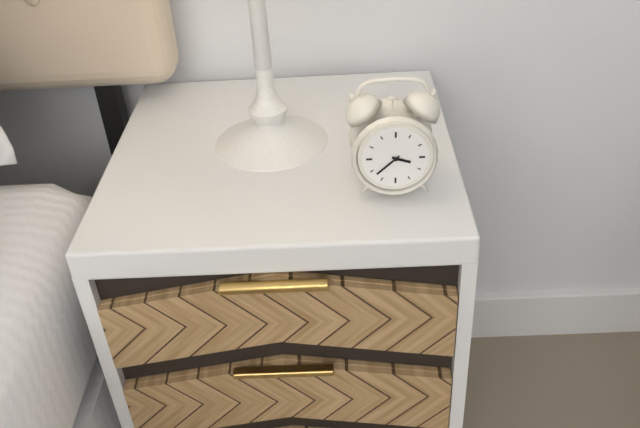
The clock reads h=3 m=38
